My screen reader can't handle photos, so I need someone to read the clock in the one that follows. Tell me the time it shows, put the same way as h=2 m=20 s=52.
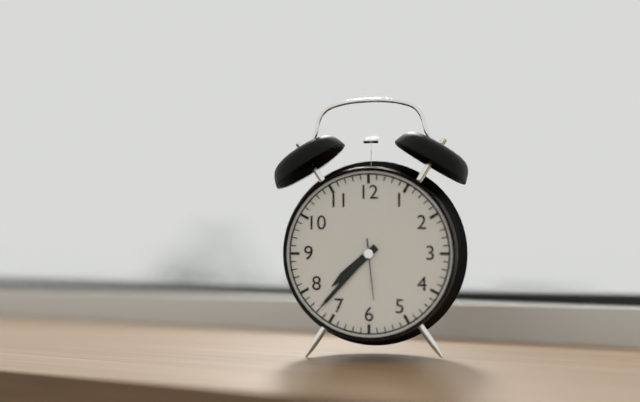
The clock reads h=7 m=37 s=29
